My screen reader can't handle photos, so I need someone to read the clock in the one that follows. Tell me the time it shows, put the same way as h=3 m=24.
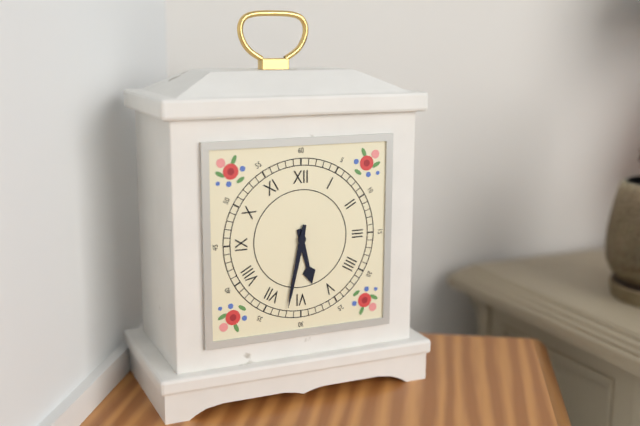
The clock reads h=5 m=32
